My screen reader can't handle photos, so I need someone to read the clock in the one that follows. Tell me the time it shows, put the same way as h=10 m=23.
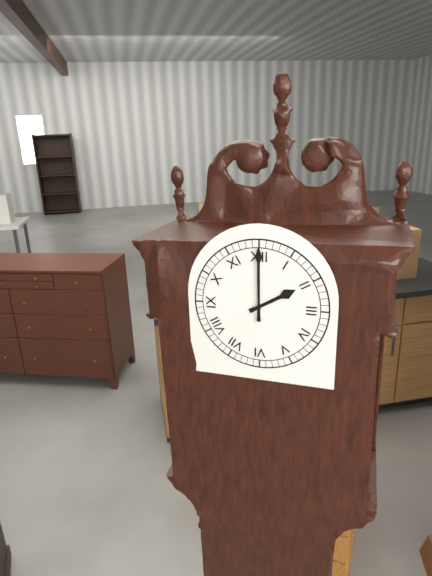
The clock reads h=2 m=0
